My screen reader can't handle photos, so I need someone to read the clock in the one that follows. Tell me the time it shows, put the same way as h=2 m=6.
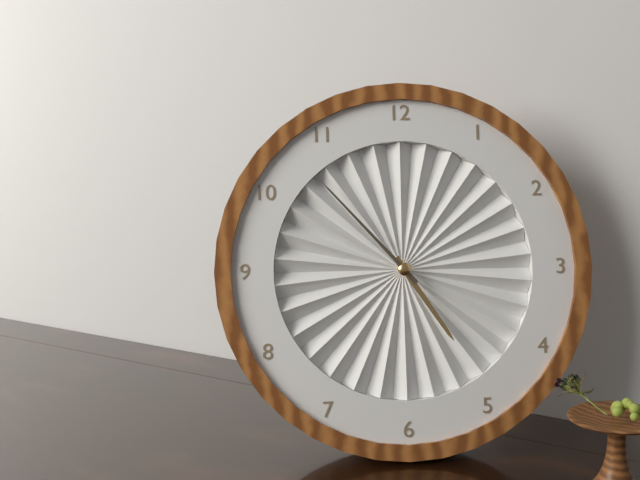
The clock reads h=4 m=53
